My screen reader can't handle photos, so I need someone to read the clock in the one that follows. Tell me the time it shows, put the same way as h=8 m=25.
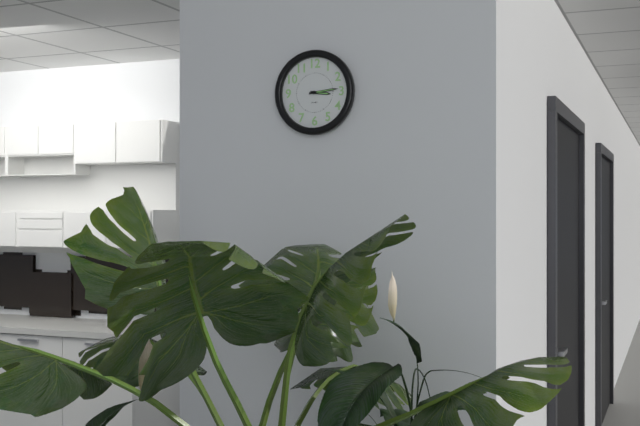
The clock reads h=3 m=14
